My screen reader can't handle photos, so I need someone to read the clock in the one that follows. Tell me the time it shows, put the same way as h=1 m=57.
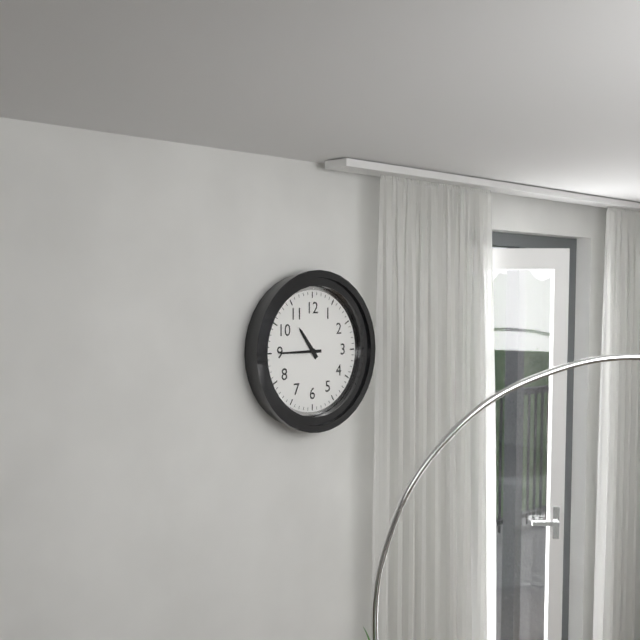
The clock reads h=10 m=45
